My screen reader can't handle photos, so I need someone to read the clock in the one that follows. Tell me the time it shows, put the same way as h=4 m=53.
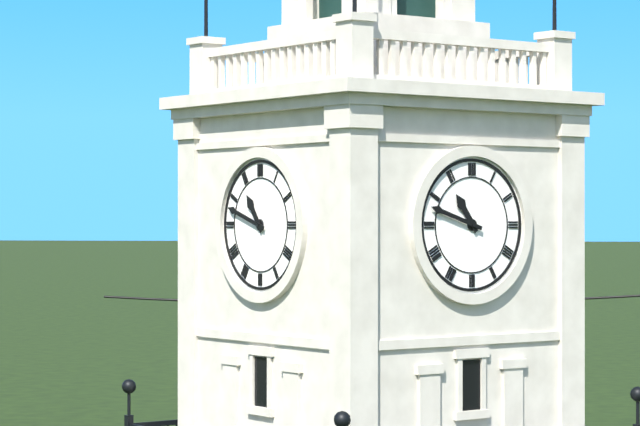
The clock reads h=10 m=48
